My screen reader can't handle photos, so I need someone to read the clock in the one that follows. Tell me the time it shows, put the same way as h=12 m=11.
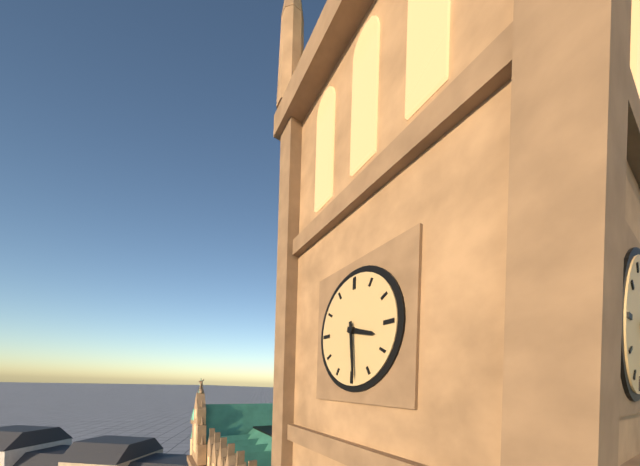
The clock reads h=3 m=29
